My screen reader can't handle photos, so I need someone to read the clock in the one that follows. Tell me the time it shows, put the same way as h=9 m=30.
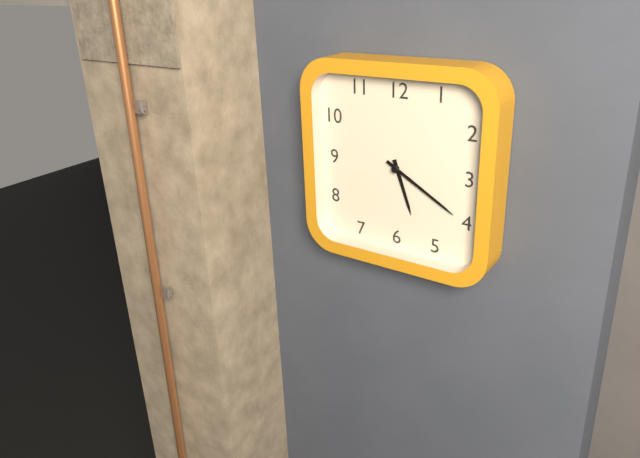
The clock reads h=5 m=20
